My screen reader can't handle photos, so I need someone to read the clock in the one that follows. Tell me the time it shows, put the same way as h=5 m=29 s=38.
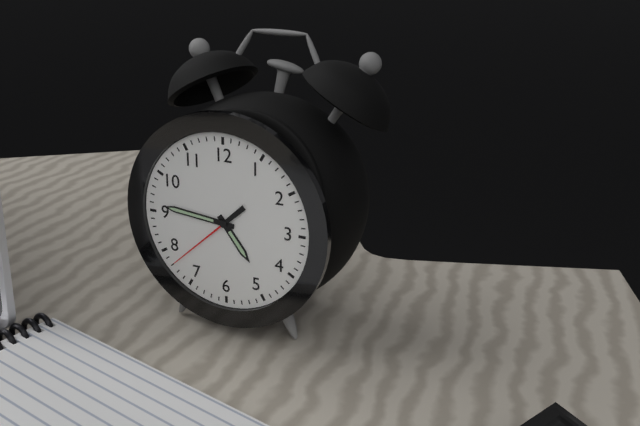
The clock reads h=4 m=46 s=38
